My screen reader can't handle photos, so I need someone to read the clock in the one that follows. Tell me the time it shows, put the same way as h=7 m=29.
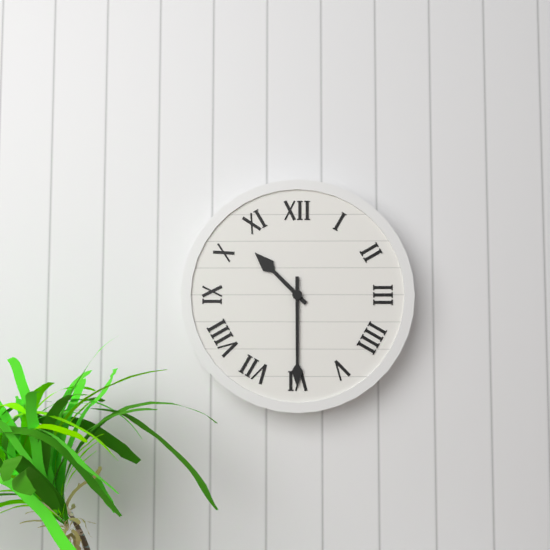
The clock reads h=10 m=30
